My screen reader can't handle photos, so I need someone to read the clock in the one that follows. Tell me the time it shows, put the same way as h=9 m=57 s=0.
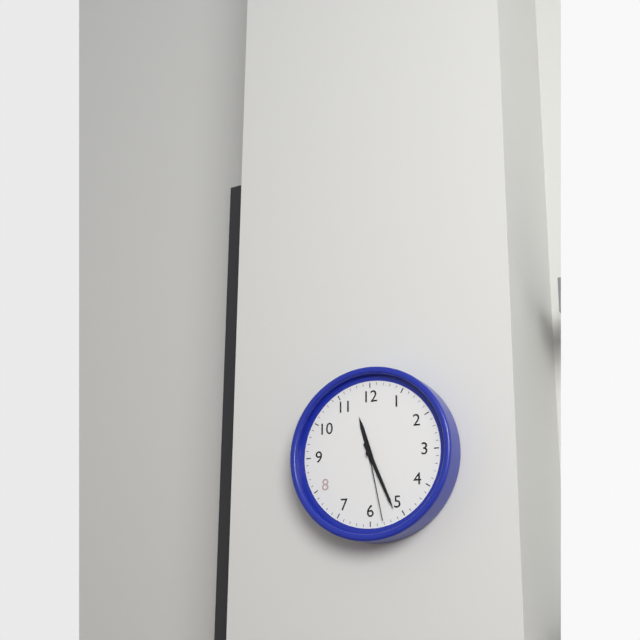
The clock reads h=11 m=26 s=28
